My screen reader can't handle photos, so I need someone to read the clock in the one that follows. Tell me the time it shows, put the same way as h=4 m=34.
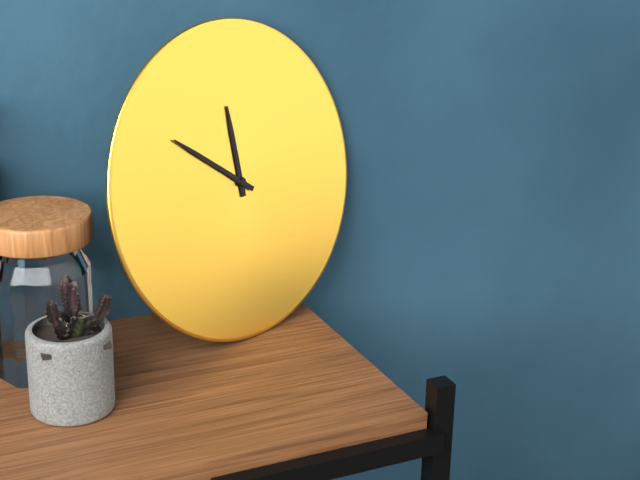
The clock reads h=11 m=51
